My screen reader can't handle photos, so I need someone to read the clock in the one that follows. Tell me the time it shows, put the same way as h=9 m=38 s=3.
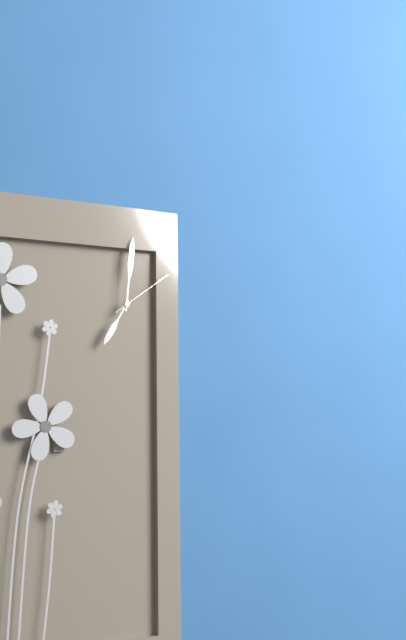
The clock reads h=7 m=1 s=9
